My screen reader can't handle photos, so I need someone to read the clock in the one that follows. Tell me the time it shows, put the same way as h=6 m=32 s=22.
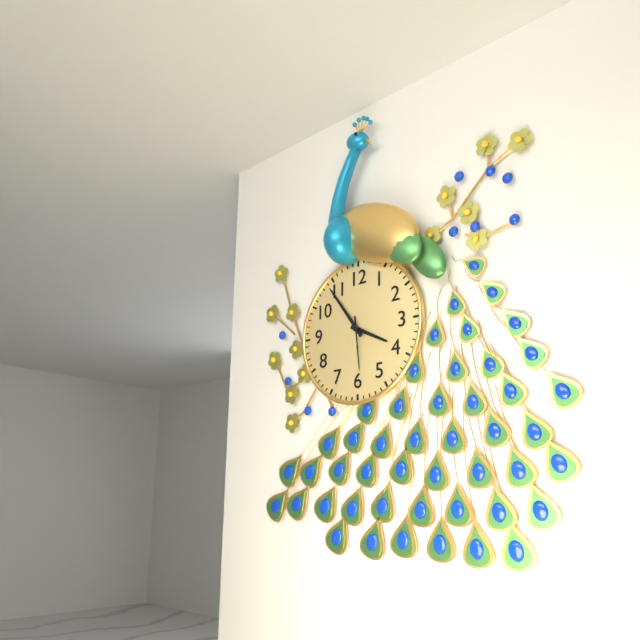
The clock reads h=3 m=54 s=29
